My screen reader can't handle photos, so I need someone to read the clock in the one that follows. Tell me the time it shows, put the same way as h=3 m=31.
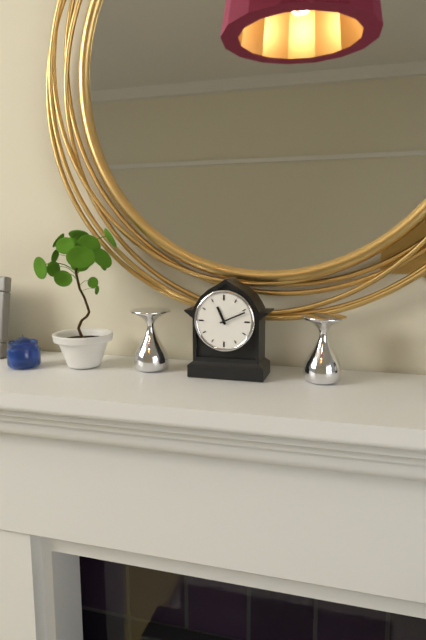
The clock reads h=11 m=11
